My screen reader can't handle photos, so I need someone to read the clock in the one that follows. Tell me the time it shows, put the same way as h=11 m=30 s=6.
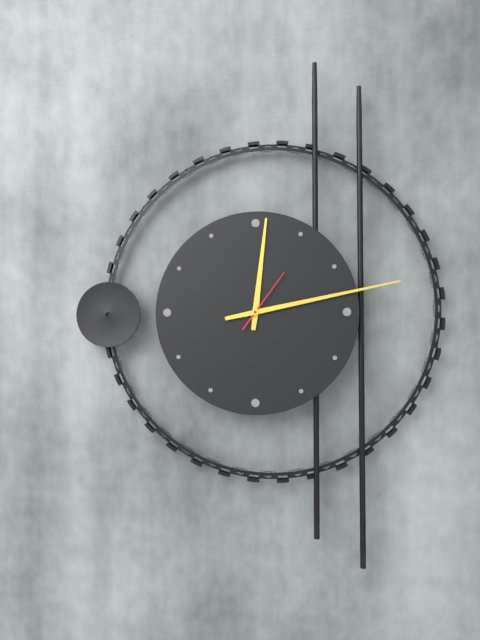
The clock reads h=12 m=13 s=6
